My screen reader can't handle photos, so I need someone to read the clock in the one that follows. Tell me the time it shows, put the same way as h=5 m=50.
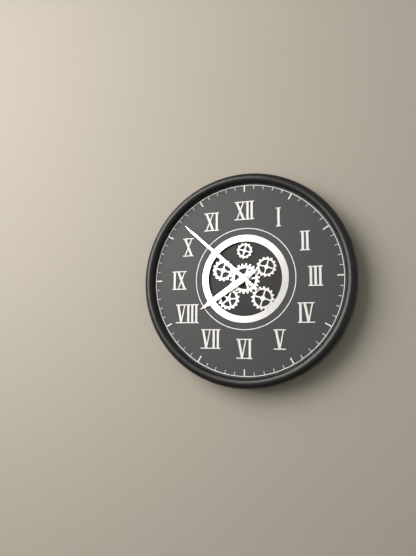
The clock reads h=7 m=52
